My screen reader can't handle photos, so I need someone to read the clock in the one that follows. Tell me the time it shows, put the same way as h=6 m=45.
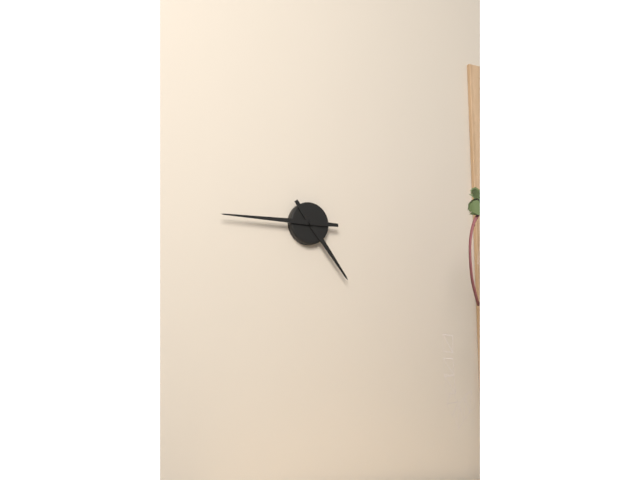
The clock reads h=4 m=45
